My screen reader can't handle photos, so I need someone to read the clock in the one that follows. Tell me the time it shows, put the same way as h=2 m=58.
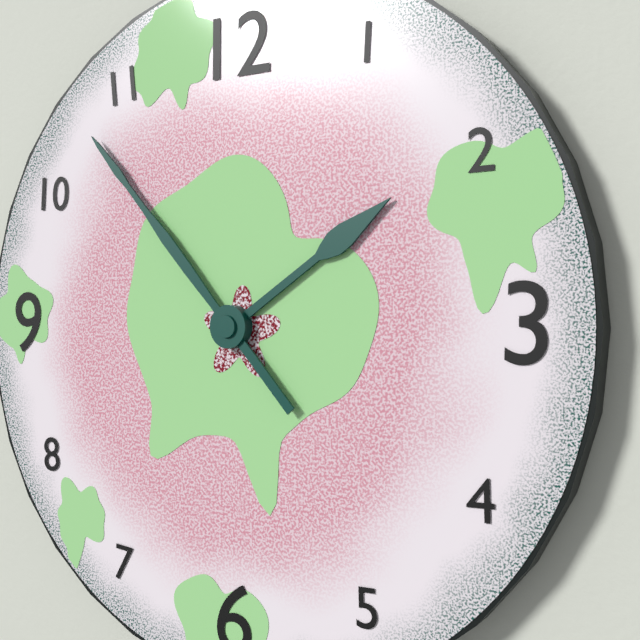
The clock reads h=1 m=53
